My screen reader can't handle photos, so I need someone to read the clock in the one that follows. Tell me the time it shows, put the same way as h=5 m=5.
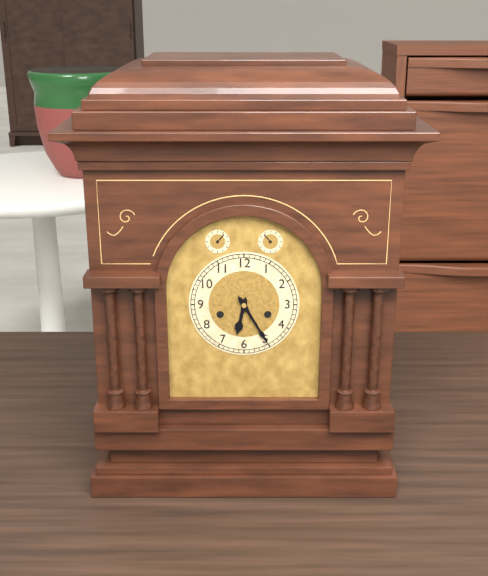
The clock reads h=6 m=25
